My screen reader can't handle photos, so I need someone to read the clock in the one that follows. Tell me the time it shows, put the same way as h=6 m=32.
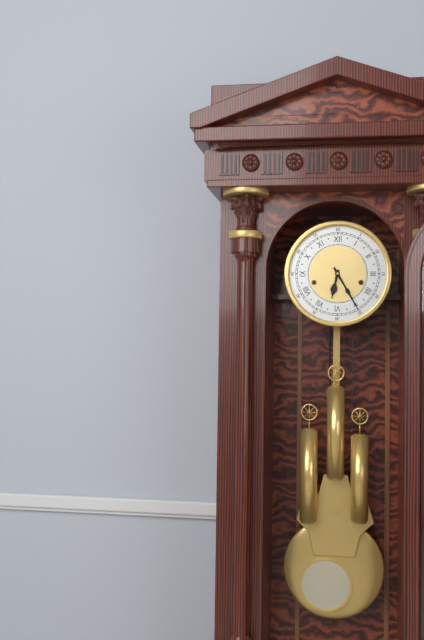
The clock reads h=6 m=25
